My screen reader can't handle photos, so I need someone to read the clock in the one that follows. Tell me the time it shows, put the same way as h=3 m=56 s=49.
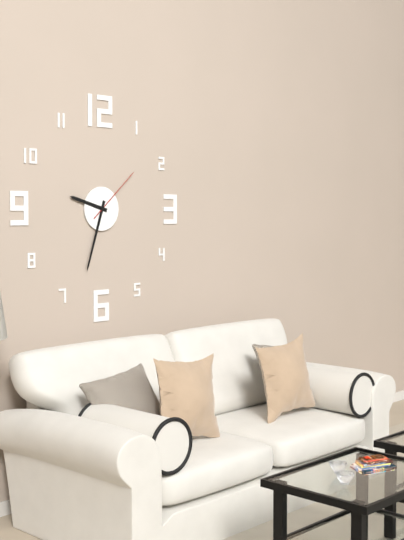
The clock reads h=9 m=33 s=8
